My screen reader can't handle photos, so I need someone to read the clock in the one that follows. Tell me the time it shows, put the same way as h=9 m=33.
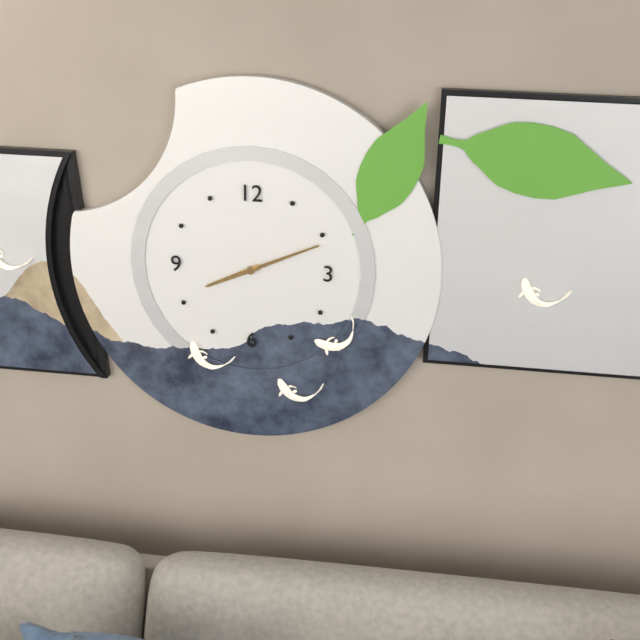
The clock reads h=8 m=11
